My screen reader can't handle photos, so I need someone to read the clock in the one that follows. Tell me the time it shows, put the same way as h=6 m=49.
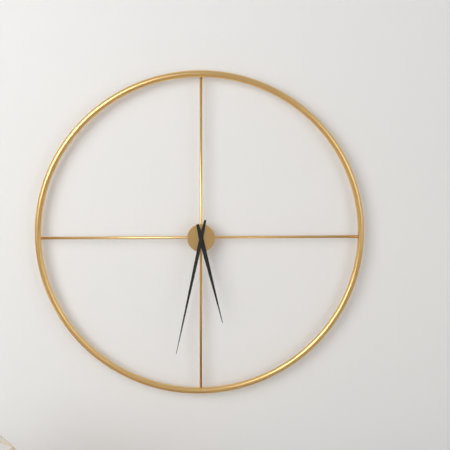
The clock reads h=5 m=32
